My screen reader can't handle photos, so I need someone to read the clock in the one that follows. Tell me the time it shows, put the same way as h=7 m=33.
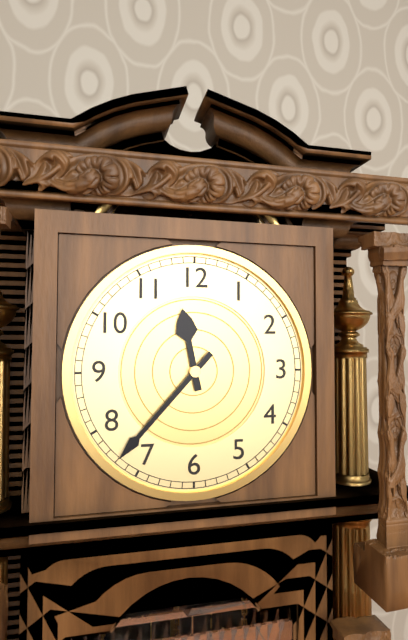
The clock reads h=11 m=37
